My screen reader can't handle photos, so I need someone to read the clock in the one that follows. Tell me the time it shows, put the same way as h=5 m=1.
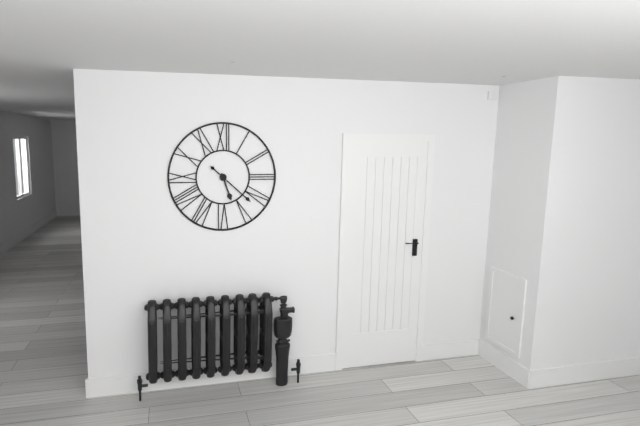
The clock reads h=5 m=22
